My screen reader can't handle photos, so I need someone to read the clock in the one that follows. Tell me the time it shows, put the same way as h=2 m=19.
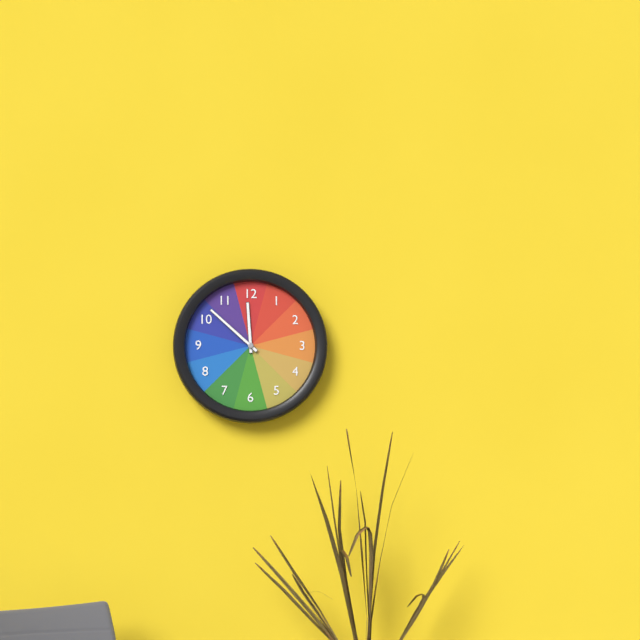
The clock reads h=11 m=52
